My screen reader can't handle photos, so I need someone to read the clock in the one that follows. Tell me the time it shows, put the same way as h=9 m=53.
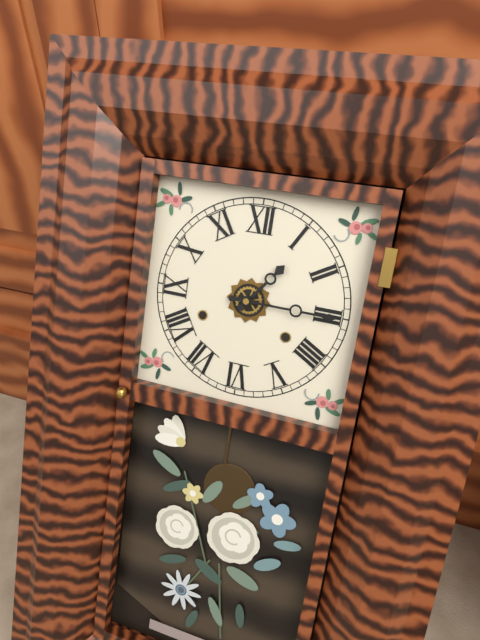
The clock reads h=1 m=15
